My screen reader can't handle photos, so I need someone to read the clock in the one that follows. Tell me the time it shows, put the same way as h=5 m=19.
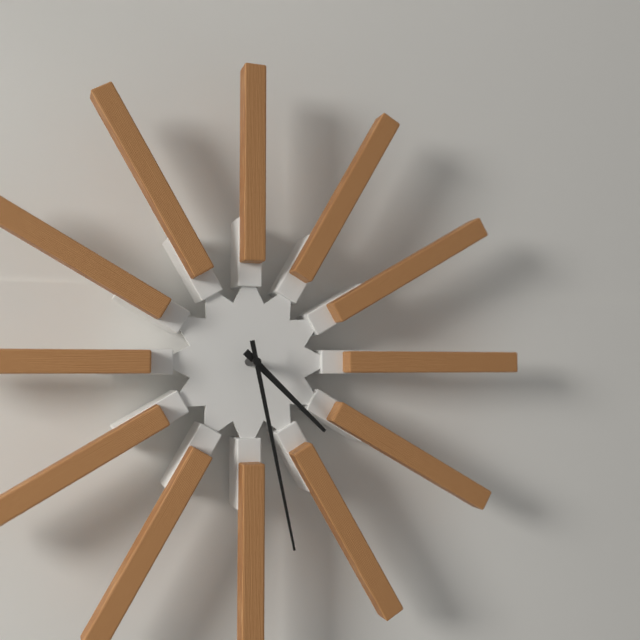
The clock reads h=4 m=28
